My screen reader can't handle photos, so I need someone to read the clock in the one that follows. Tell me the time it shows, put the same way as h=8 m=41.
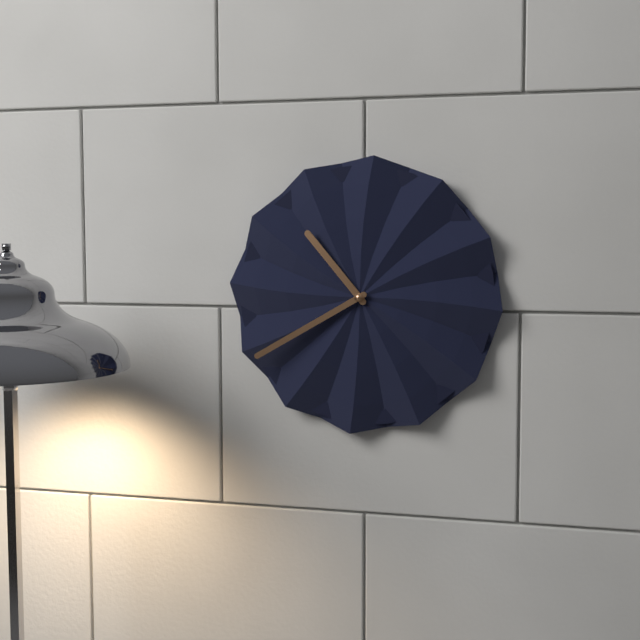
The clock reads h=10 m=40
